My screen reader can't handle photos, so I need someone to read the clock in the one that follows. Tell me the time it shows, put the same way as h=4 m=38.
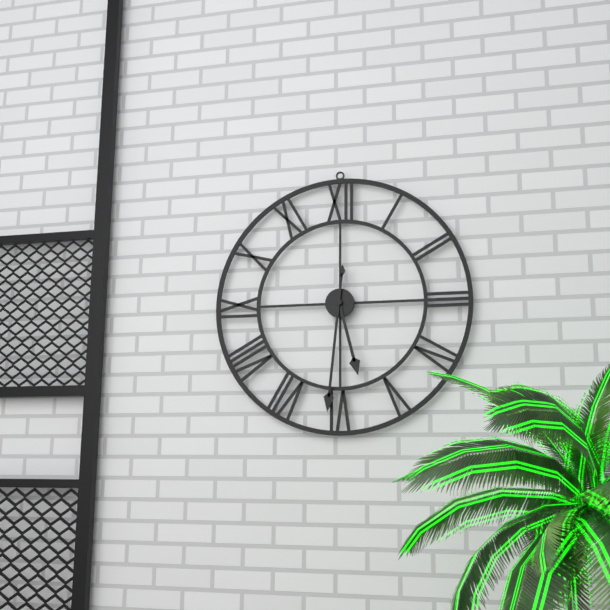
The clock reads h=5 m=31
